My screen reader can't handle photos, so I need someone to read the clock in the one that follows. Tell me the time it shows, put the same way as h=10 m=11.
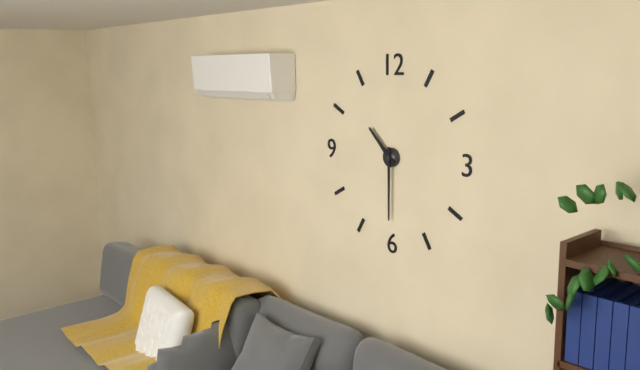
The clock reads h=10 m=30
